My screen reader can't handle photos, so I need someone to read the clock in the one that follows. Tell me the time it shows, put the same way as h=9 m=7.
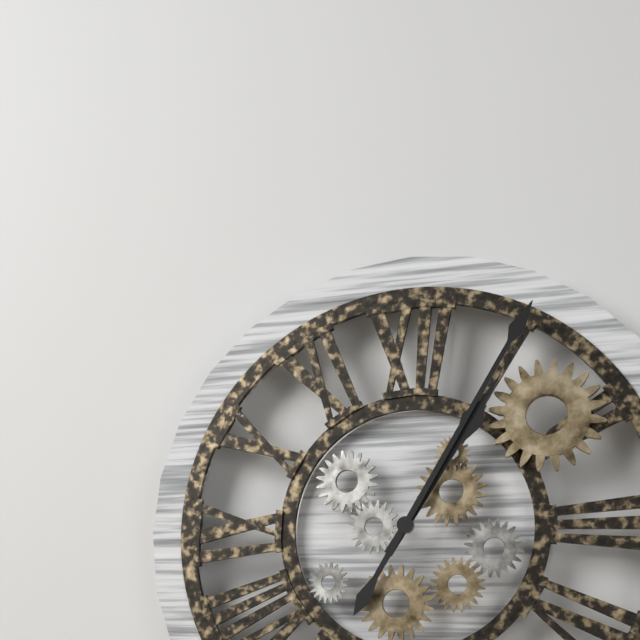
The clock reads h=1 m=5
